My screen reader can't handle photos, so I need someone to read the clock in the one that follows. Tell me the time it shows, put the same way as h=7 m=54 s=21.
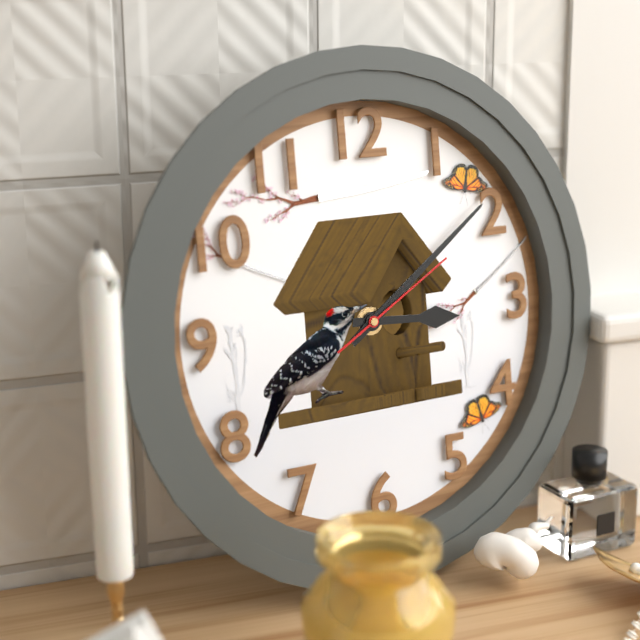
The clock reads h=3 m=9 s=10
